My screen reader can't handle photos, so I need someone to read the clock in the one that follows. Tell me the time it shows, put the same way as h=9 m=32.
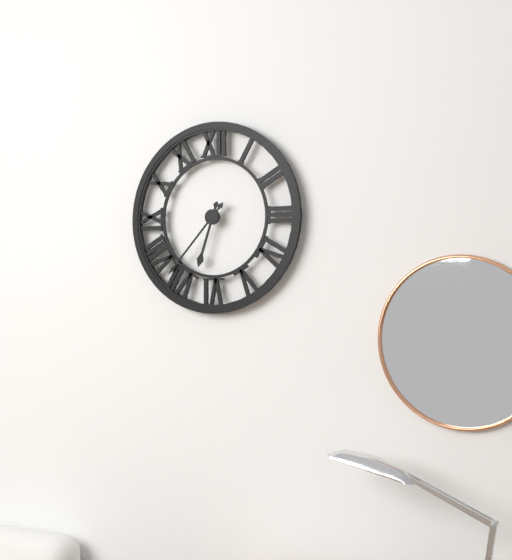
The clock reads h=6 m=37
